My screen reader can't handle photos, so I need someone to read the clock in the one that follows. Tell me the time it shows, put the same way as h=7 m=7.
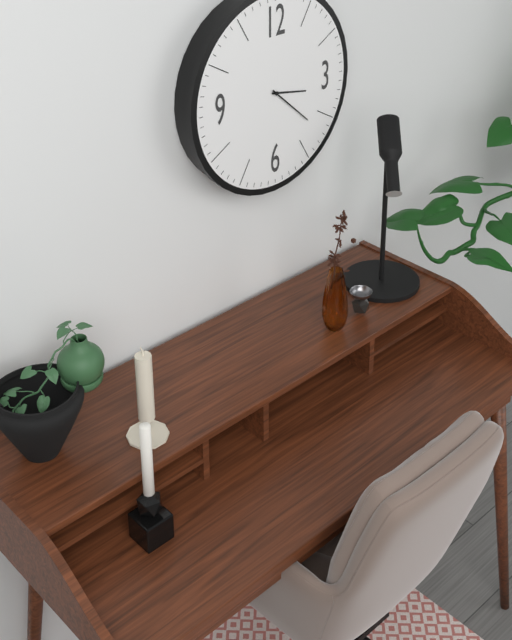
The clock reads h=3 m=22
